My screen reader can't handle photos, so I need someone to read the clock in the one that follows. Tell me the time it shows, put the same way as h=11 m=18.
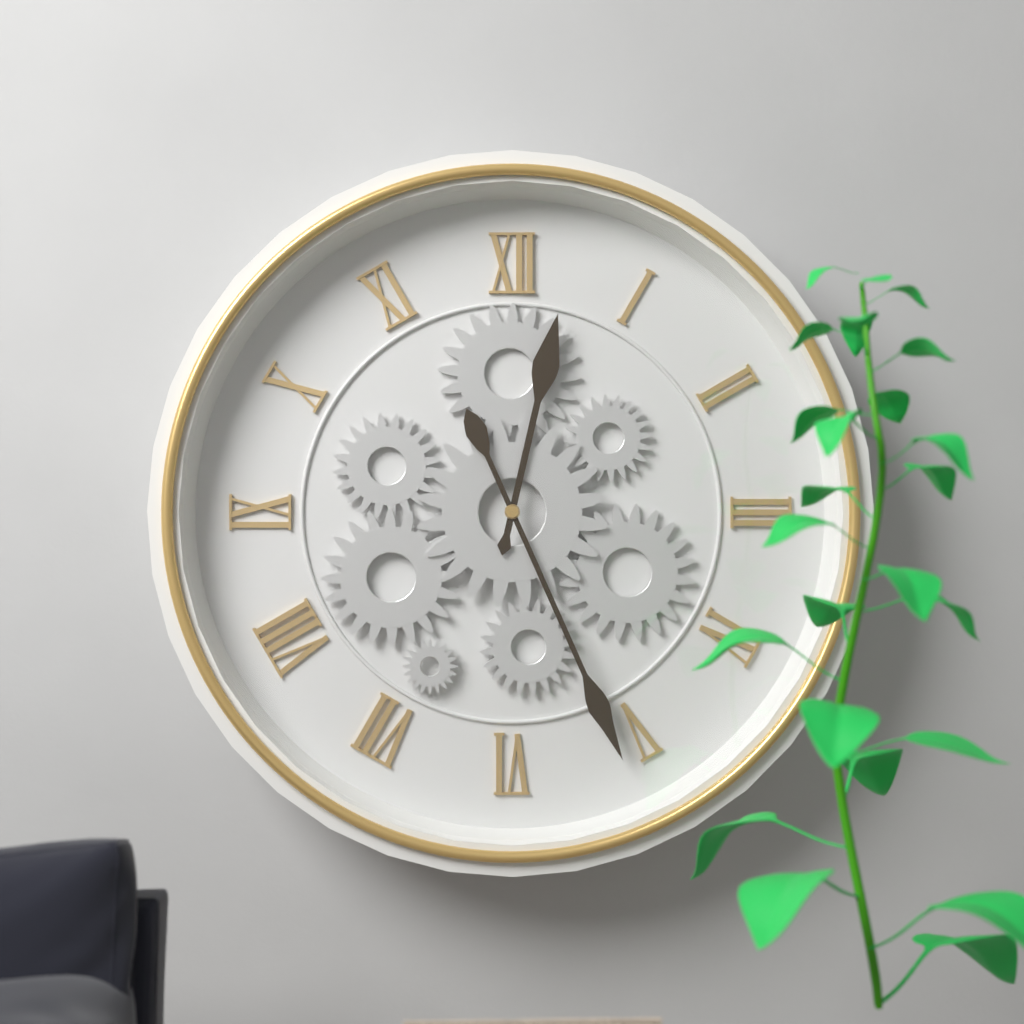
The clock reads h=12 m=26
